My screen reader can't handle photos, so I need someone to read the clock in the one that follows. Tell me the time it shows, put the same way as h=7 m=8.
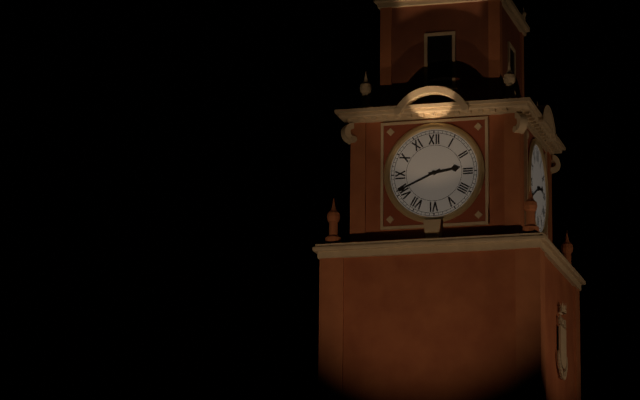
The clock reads h=2 m=41
